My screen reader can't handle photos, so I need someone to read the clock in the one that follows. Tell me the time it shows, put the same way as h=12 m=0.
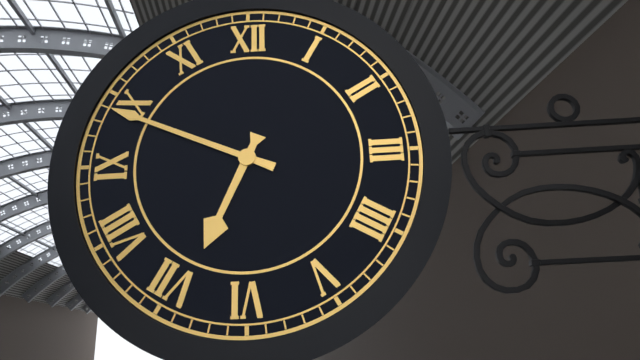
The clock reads h=6 m=49
